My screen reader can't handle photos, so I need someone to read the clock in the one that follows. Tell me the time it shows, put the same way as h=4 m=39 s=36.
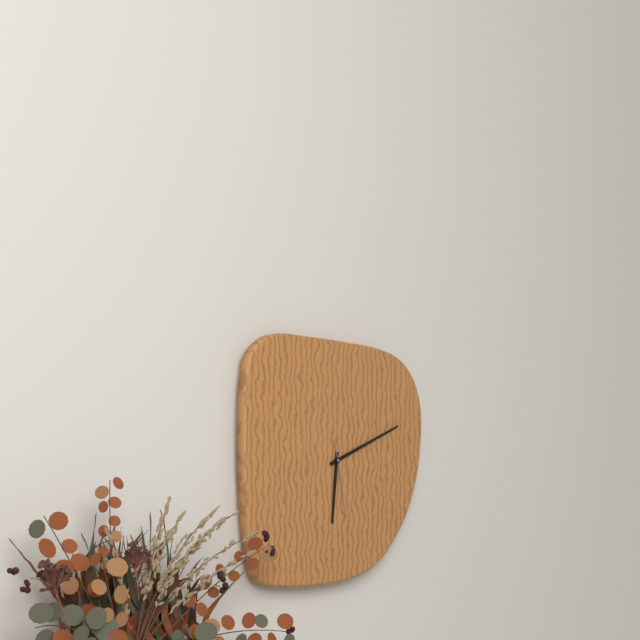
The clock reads h=6 m=11 s=28
